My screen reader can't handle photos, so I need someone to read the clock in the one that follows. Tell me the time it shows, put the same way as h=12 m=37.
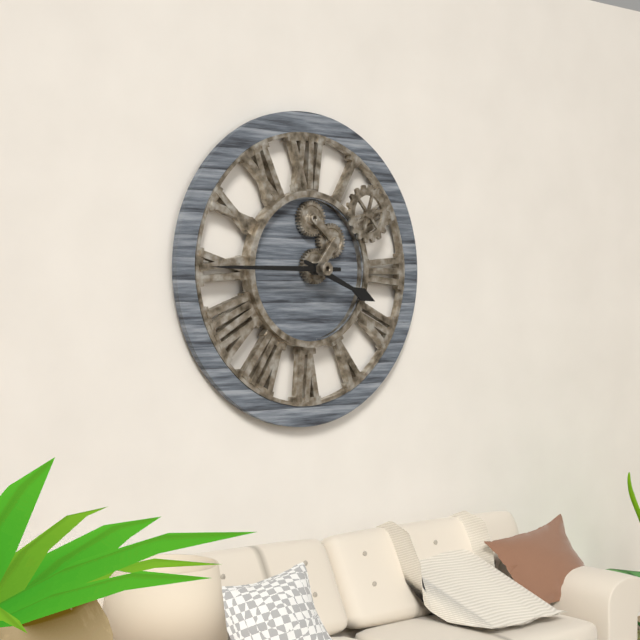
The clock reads h=3 m=45
